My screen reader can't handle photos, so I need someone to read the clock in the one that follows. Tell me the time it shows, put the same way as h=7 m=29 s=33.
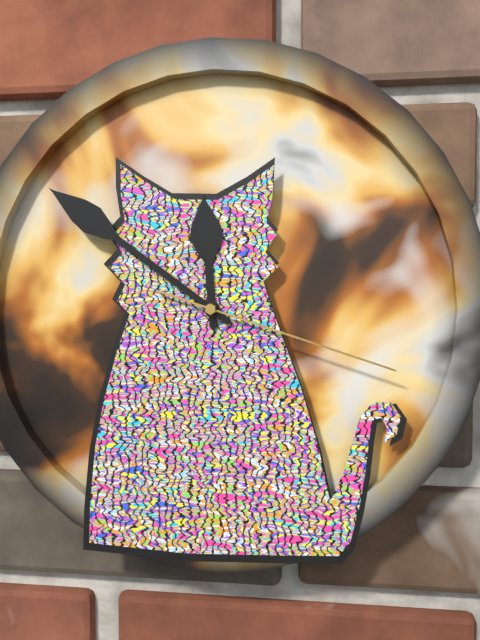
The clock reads h=11 m=51 s=18
